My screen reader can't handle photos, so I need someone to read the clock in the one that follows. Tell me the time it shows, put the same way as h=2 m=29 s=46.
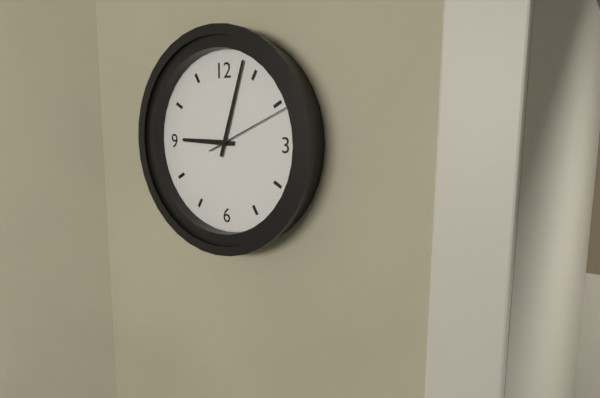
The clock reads h=9 m=3 s=11
